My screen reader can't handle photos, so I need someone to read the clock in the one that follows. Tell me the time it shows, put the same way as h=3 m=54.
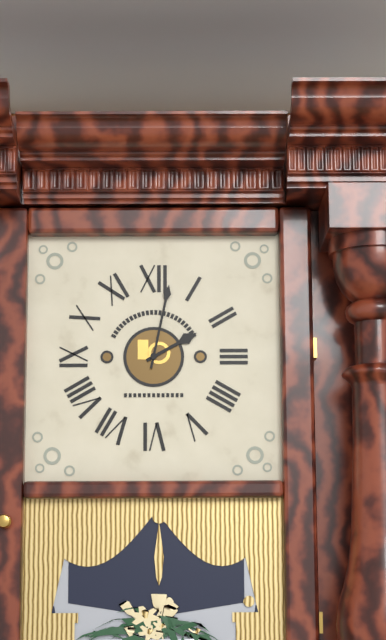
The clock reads h=2 m=2
